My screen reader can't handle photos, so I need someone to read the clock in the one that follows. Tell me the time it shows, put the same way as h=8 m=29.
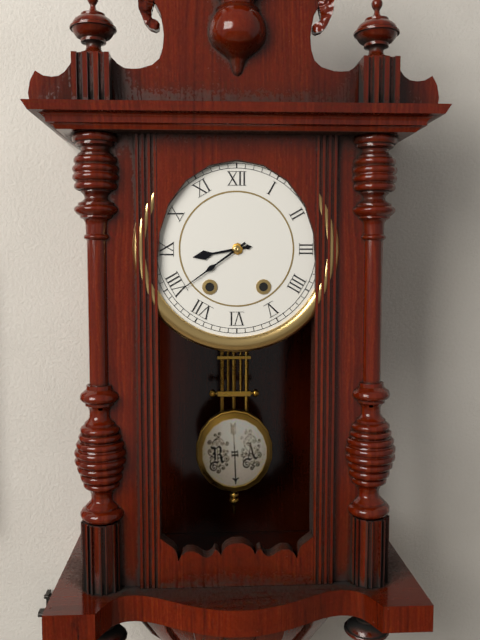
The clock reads h=8 m=39
